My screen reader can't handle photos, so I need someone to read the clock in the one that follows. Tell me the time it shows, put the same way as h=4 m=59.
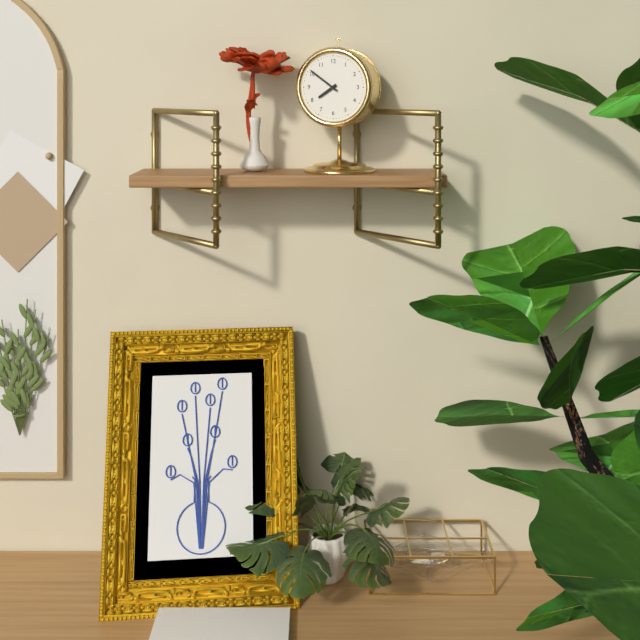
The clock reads h=7 m=51
